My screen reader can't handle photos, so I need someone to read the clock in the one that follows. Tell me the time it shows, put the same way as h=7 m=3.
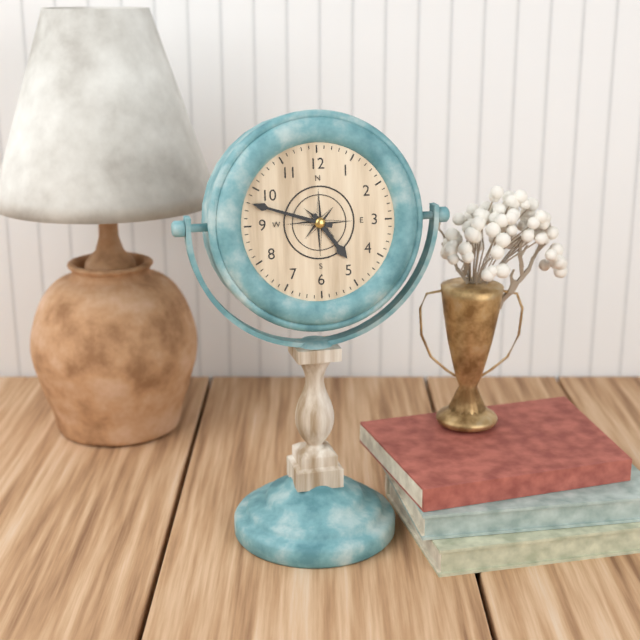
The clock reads h=4 m=48
